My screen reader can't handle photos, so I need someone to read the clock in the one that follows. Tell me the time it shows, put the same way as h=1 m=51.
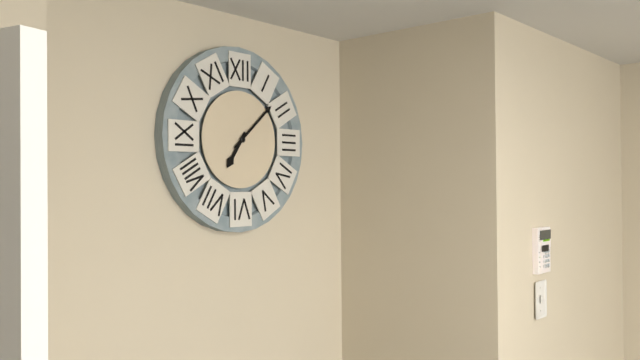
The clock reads h=7 m=8
